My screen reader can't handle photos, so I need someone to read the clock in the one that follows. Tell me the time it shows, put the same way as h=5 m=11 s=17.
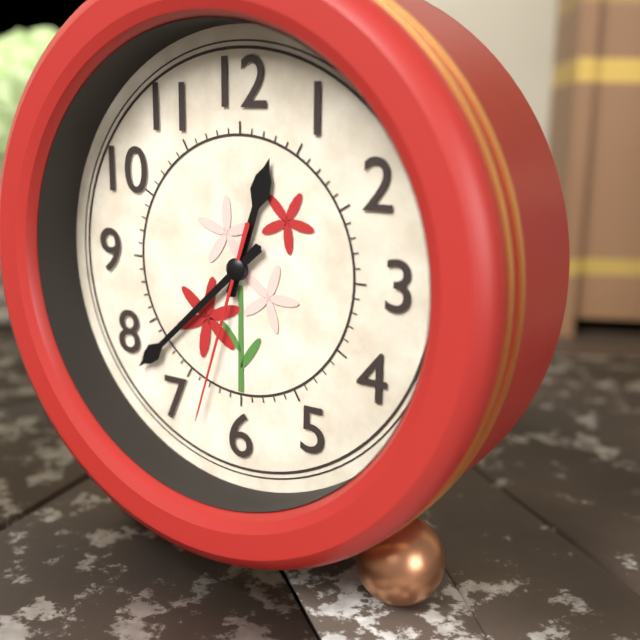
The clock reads h=12 m=38 s=33
